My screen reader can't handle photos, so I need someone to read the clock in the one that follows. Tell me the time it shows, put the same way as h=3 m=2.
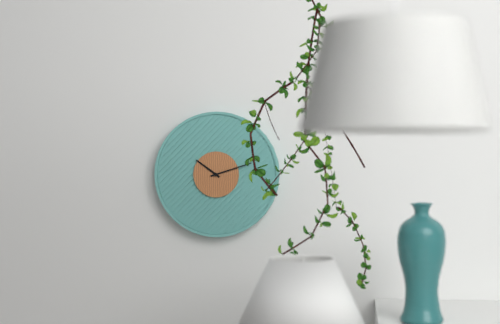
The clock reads h=10 m=12
